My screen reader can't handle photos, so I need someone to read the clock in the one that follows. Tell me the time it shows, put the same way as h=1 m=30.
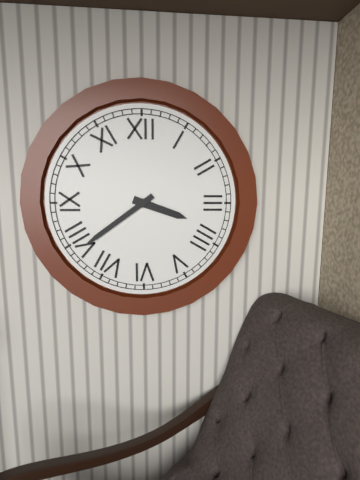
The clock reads h=3 m=39
